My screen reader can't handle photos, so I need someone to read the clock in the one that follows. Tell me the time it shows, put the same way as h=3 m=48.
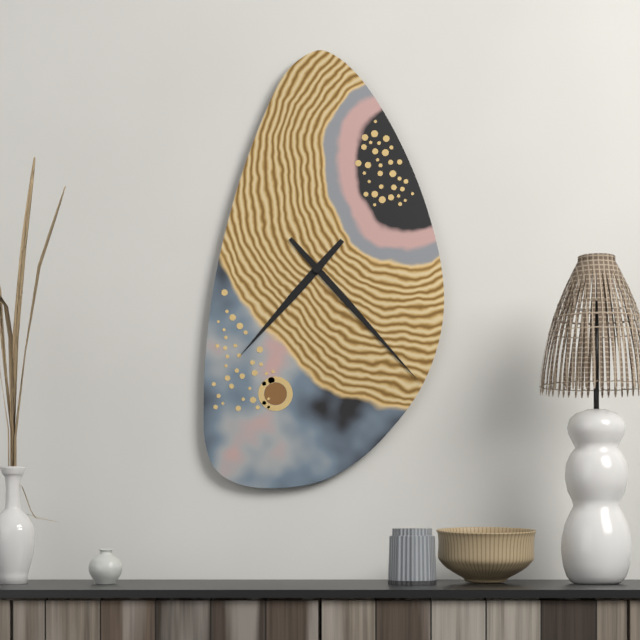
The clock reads h=7 m=23
